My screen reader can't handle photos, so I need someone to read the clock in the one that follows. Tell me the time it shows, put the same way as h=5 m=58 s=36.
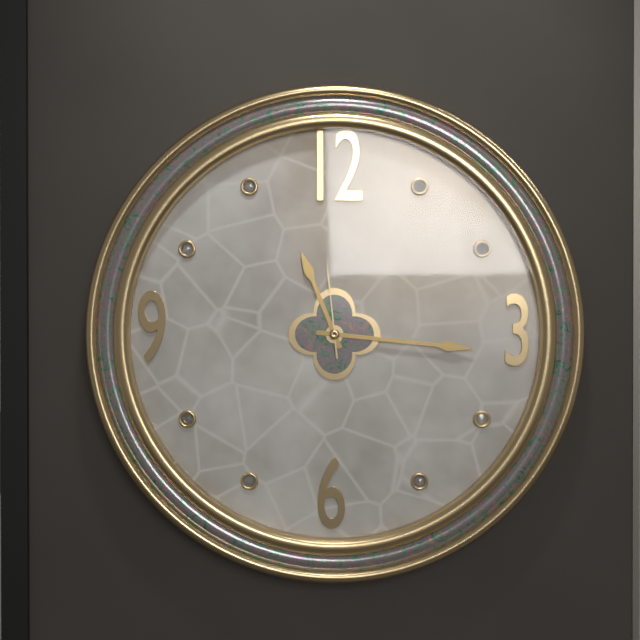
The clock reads h=11 m=16 s=59
